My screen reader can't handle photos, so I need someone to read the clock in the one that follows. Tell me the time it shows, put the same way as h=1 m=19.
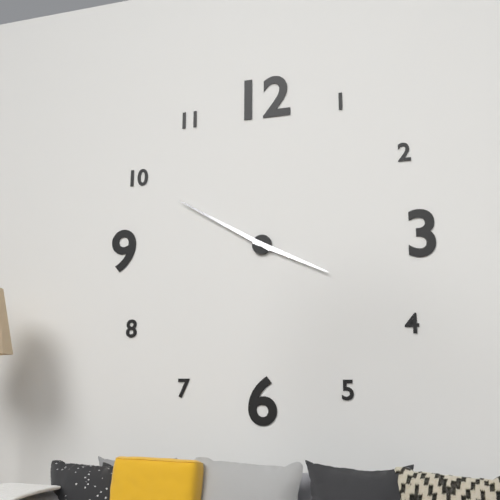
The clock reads h=3 m=50
